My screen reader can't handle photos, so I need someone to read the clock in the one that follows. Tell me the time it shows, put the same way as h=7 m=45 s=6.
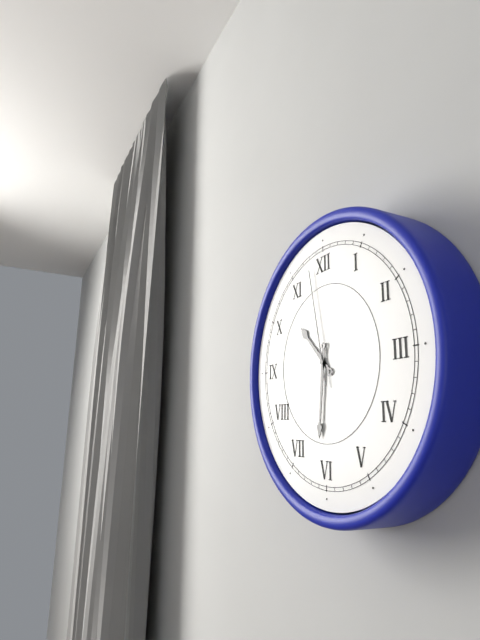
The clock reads h=10 m=31 s=58
